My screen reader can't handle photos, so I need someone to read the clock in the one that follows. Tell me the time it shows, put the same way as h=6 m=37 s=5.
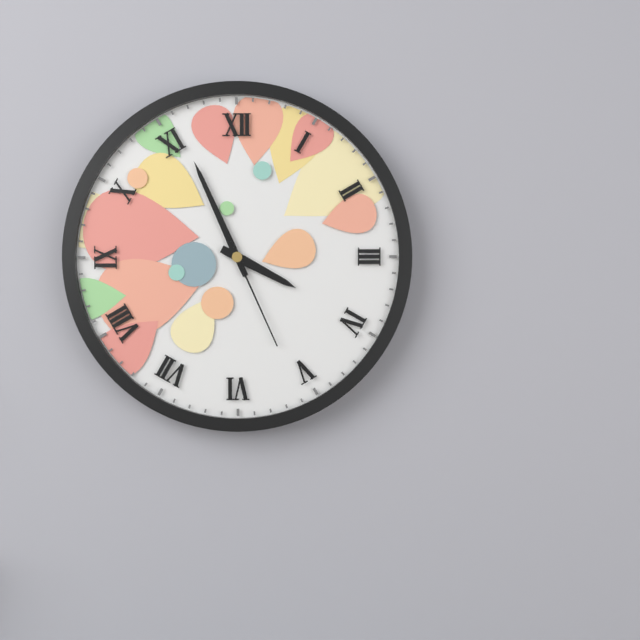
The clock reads h=3 m=56 s=26
